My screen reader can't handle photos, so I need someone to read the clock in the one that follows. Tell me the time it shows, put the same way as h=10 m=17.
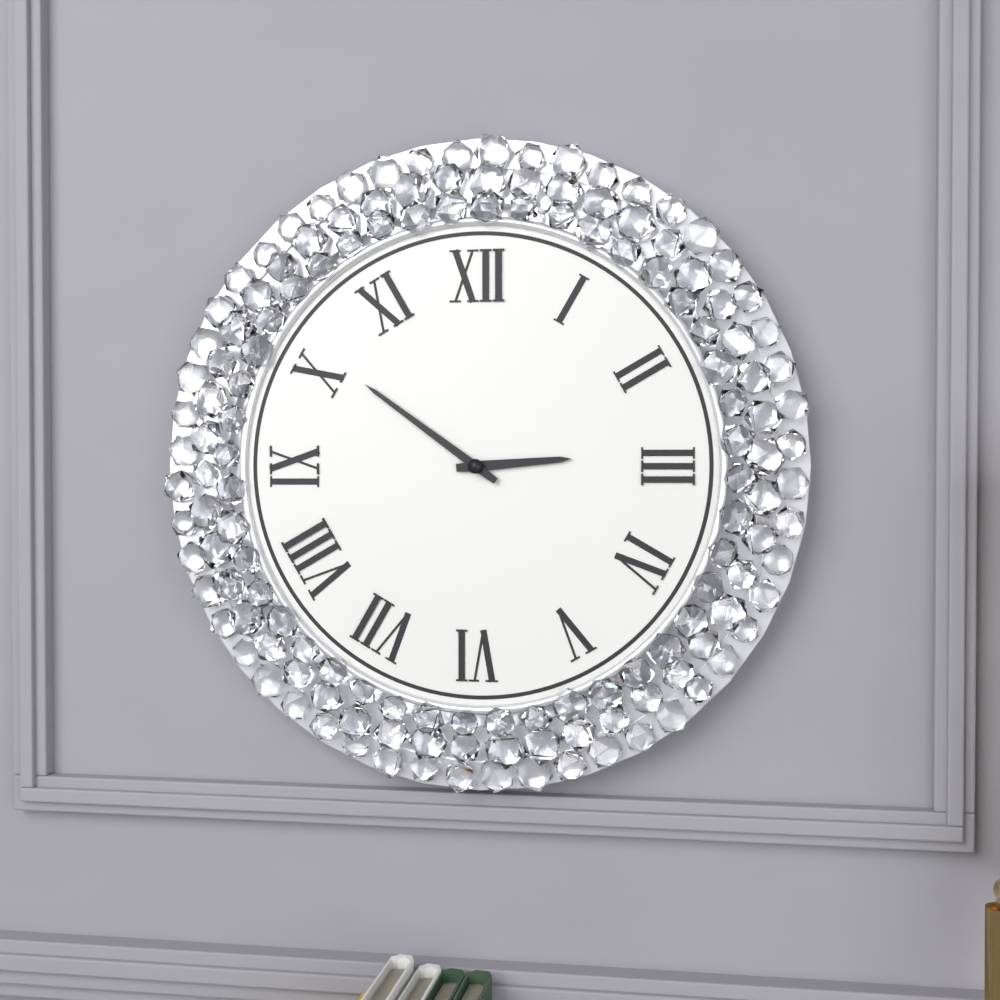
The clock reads h=2 m=51
